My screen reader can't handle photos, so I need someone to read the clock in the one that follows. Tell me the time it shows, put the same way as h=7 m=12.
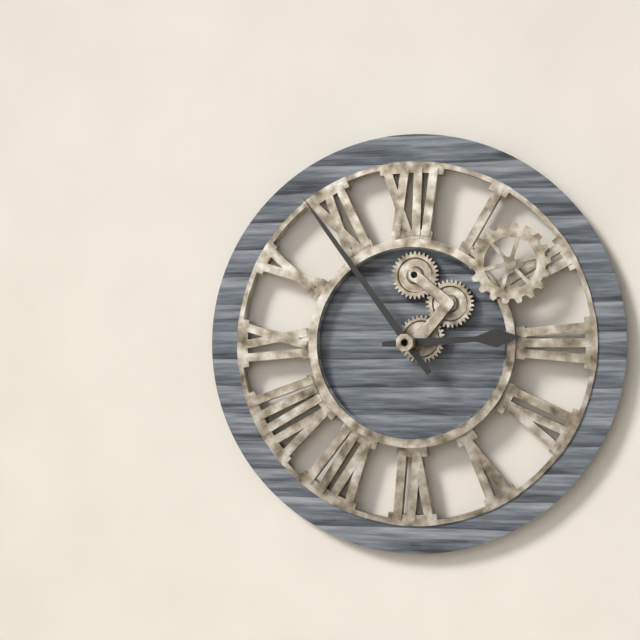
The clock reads h=2 m=54
